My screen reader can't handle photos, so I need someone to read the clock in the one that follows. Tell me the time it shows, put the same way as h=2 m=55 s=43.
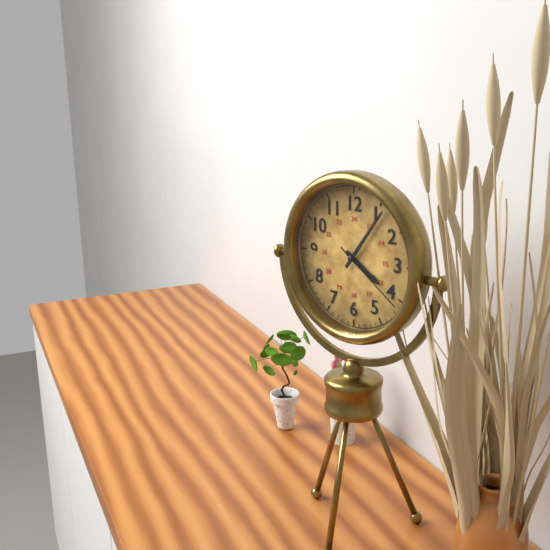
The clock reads h=4 m=6 s=21
